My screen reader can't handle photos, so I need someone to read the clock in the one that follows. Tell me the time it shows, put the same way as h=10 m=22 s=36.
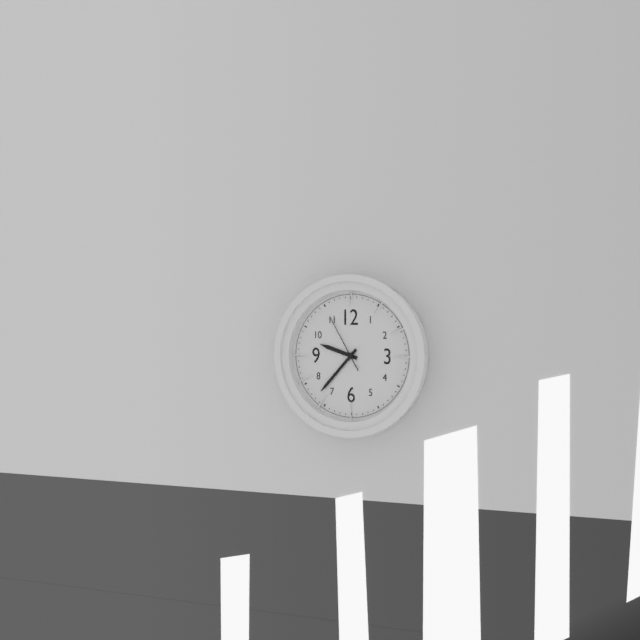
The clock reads h=9 m=37 s=55
